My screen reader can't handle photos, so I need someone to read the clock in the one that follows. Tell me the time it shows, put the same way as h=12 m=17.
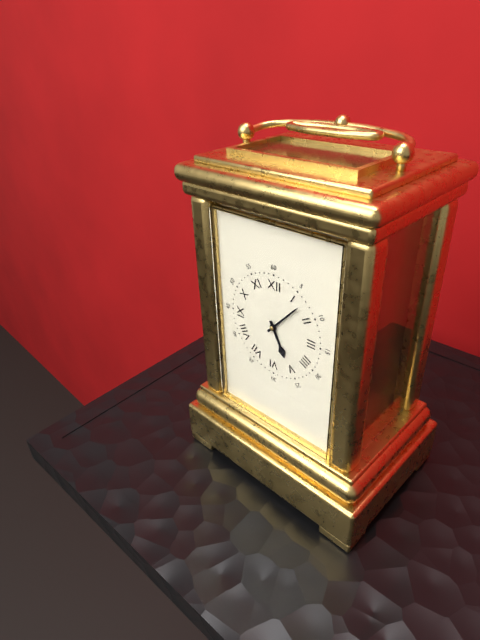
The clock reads h=5 m=7
